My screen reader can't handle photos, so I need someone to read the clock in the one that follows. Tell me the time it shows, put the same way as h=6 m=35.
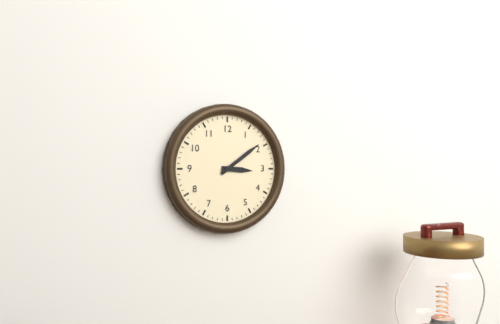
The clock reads h=3 m=9
